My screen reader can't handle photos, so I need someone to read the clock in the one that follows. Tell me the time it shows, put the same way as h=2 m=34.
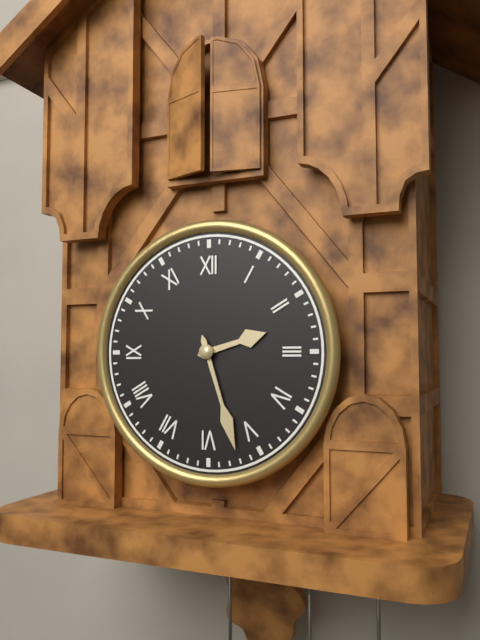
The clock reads h=2 m=27
